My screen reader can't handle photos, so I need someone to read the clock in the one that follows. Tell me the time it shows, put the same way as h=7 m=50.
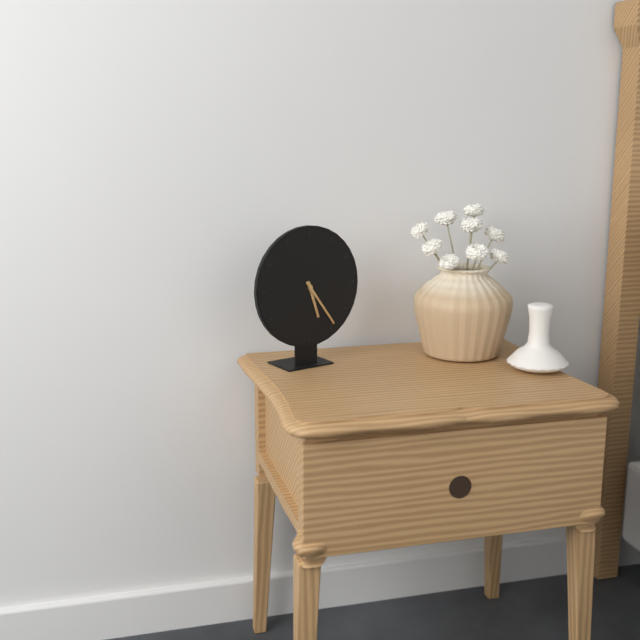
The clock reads h=5 m=24
